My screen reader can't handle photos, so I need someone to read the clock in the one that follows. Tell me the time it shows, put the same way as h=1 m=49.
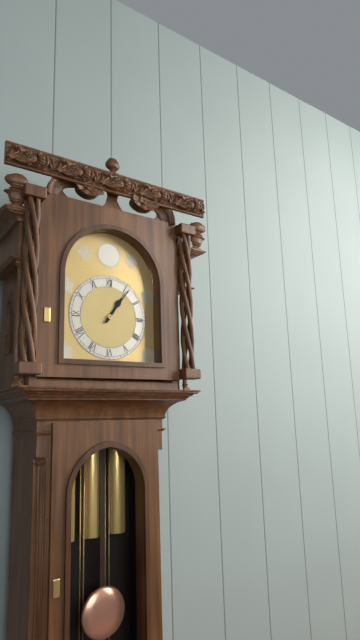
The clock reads h=1 m=6
